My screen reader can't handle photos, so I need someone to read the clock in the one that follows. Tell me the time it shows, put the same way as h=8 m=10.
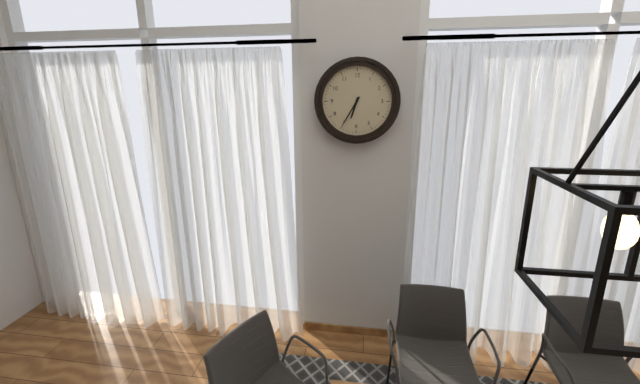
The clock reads h=6 m=35
